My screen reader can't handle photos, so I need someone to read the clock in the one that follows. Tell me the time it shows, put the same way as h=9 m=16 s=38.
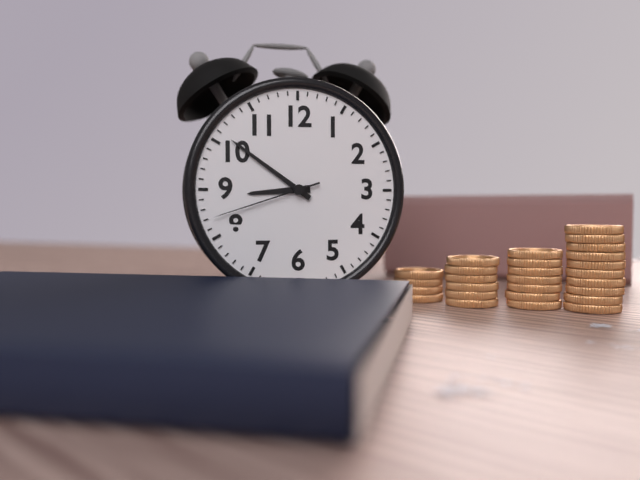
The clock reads h=8 m=51 s=42
